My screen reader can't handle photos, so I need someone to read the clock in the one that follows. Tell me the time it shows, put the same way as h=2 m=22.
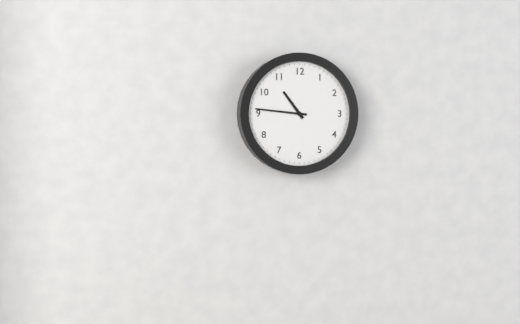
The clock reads h=10 m=46
